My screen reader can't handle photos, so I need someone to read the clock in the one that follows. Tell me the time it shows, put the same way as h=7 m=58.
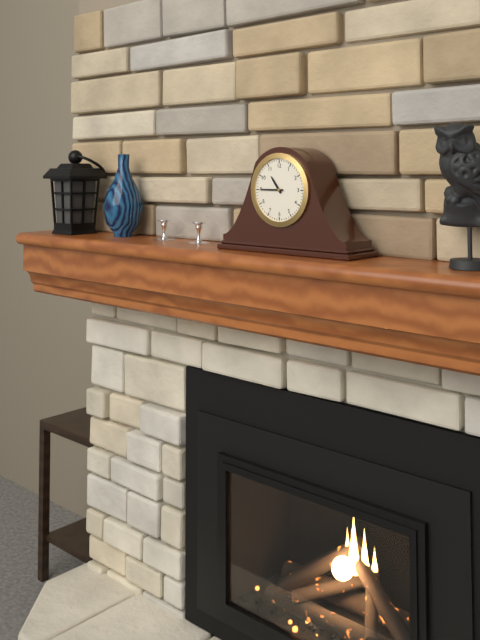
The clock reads h=10 m=45
